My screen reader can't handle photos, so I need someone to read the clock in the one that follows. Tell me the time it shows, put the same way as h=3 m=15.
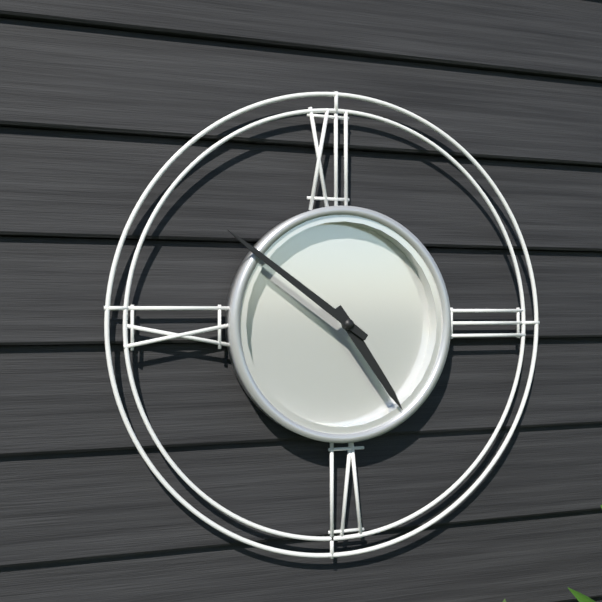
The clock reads h=4 m=51
